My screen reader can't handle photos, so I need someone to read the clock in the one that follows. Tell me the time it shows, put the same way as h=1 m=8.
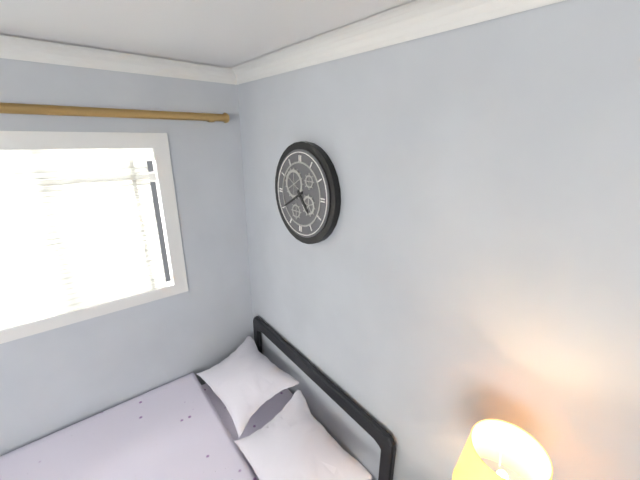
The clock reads h=4 m=40
